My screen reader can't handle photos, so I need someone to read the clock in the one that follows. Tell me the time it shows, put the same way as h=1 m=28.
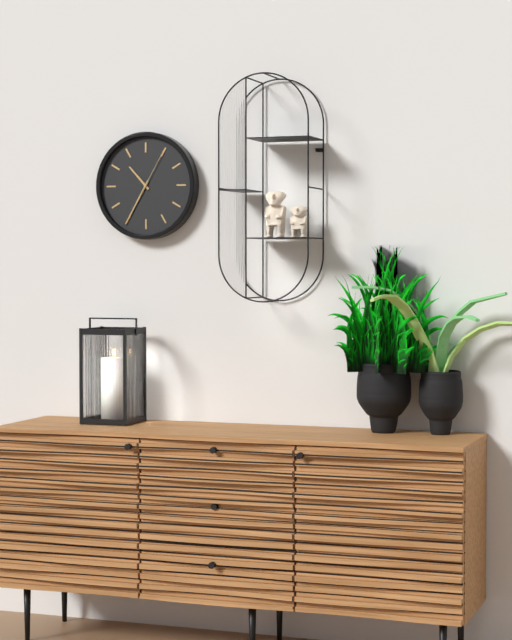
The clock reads h=10 m=35
